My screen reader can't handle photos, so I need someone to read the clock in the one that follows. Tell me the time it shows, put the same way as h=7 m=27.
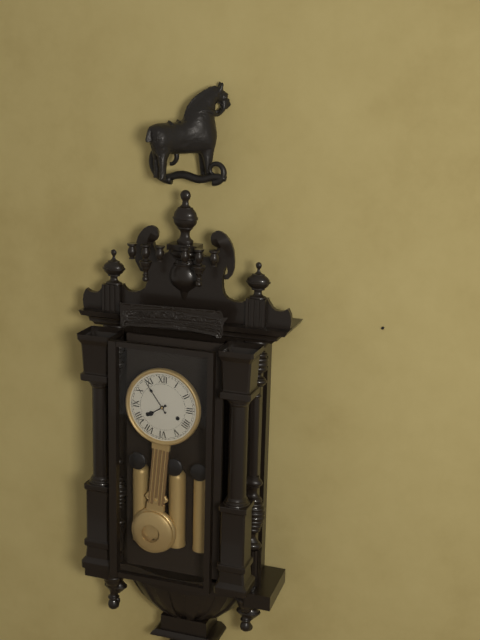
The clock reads h=7 m=54
